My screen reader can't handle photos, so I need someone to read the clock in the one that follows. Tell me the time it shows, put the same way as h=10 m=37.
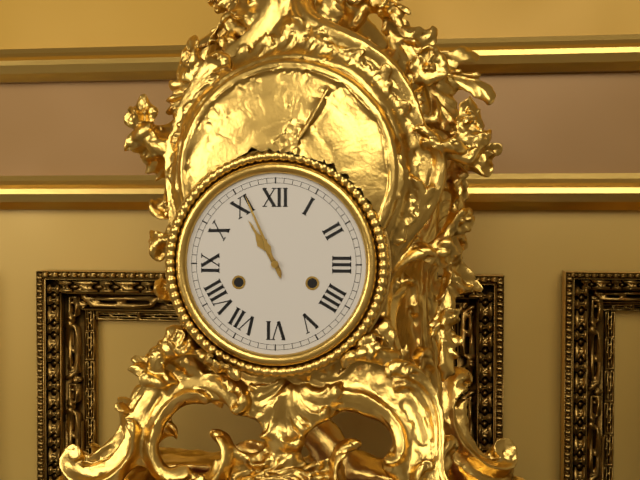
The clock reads h=10 m=56
